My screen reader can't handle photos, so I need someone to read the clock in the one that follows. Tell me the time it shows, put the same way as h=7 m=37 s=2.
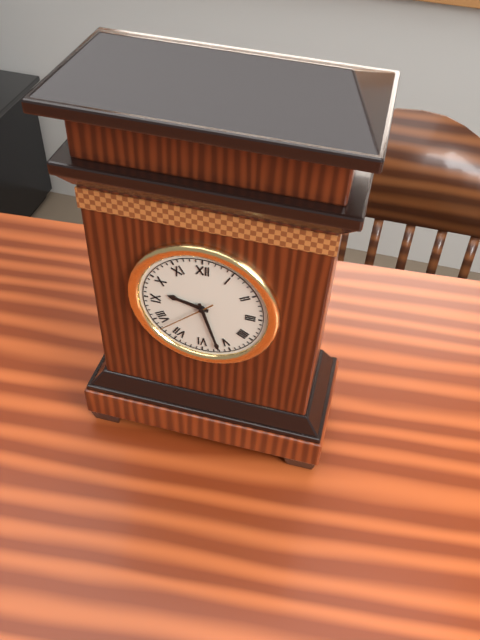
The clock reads h=9 m=27 s=38
